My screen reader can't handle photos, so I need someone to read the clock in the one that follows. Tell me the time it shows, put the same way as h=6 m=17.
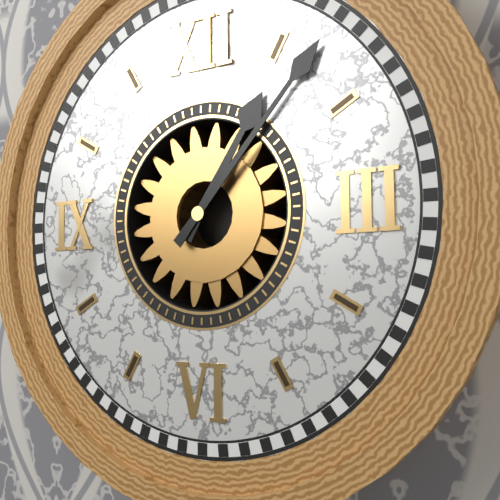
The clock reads h=1 m=7
